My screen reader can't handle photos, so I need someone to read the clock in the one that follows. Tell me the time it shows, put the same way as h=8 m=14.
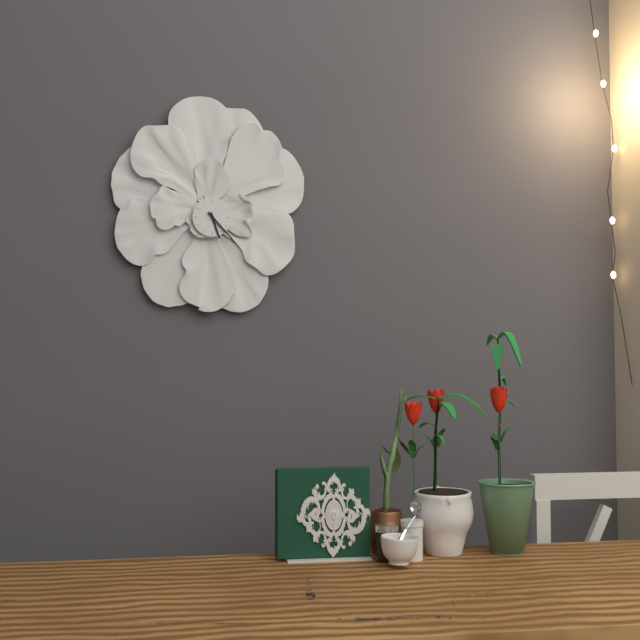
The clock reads h=5 m=23
